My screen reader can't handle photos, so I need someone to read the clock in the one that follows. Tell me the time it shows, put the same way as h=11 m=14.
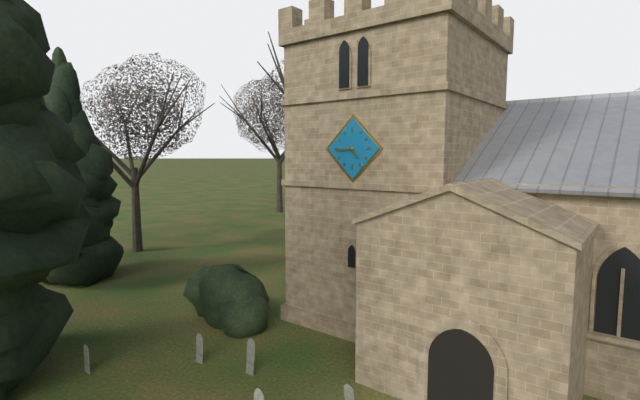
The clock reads h=4 m=44
